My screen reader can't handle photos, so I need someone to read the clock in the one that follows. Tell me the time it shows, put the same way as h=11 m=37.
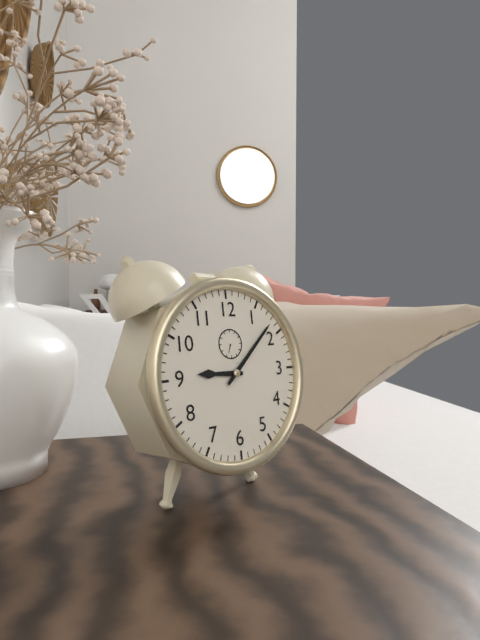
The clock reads h=9 m=8
